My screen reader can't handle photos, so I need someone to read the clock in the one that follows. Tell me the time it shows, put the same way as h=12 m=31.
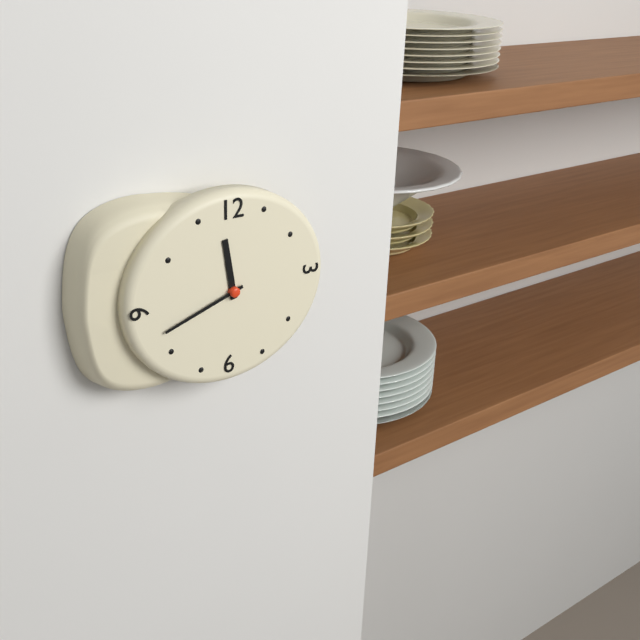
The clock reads h=11 m=42
